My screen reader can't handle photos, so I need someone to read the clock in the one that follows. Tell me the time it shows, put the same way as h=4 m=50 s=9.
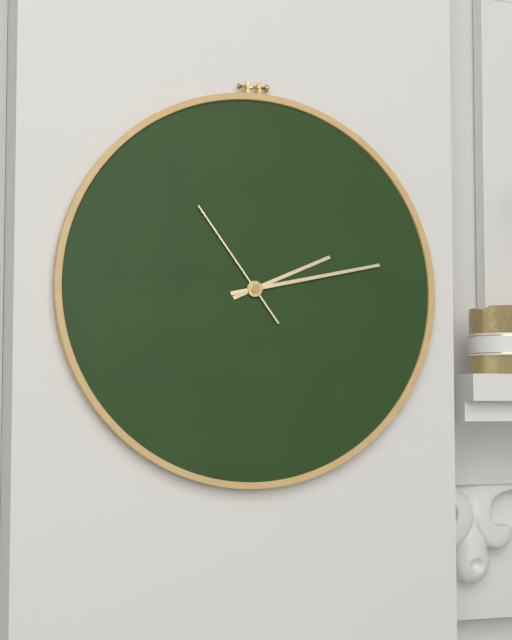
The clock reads h=2 m=13 s=54
